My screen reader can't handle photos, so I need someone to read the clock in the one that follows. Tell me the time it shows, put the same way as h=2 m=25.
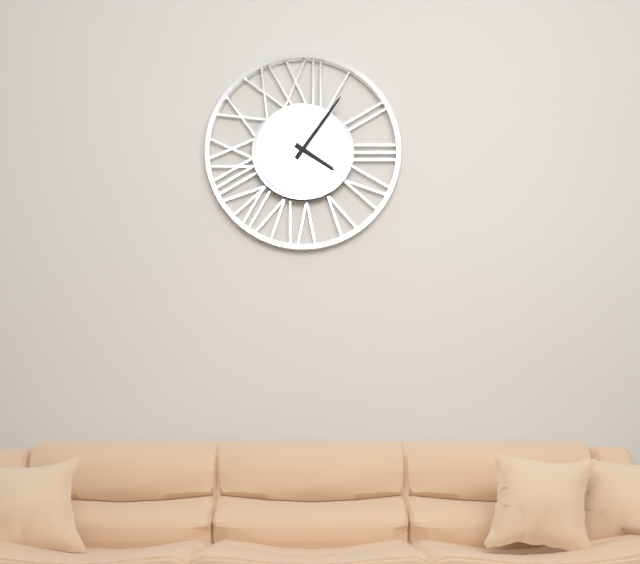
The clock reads h=4 m=6
